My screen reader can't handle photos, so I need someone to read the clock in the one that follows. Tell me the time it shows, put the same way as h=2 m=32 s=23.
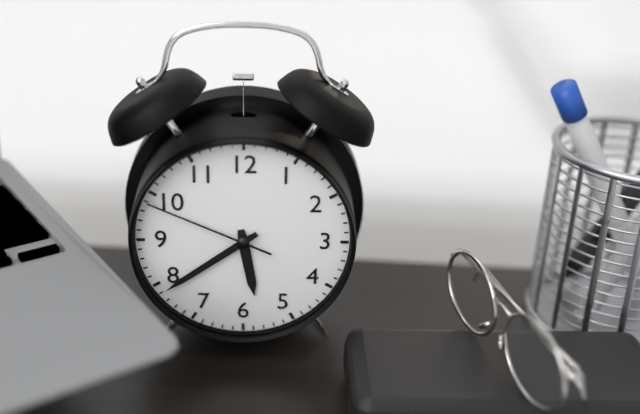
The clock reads h=5 m=39 s=49
